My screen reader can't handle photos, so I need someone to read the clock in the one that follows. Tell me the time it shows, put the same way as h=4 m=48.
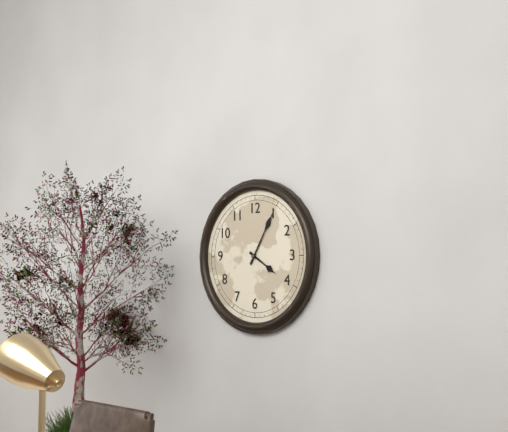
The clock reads h=4 m=5
